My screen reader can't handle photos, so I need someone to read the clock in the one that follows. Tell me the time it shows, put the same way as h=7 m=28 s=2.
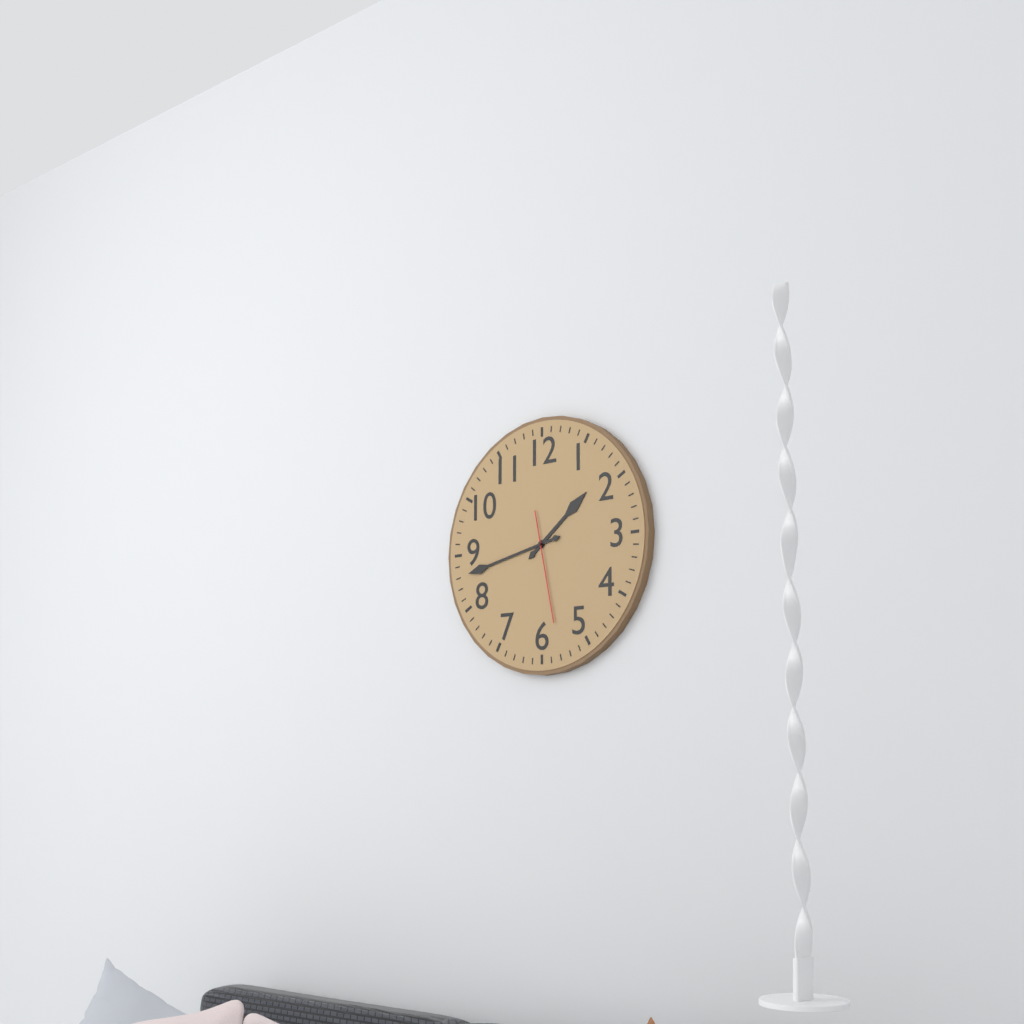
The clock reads h=1 m=43 s=28
